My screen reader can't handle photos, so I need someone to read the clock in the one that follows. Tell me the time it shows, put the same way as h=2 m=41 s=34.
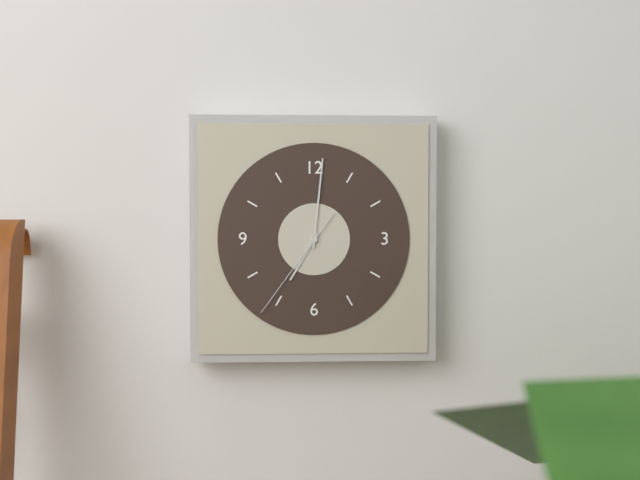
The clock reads h=7 m=1 s=36
